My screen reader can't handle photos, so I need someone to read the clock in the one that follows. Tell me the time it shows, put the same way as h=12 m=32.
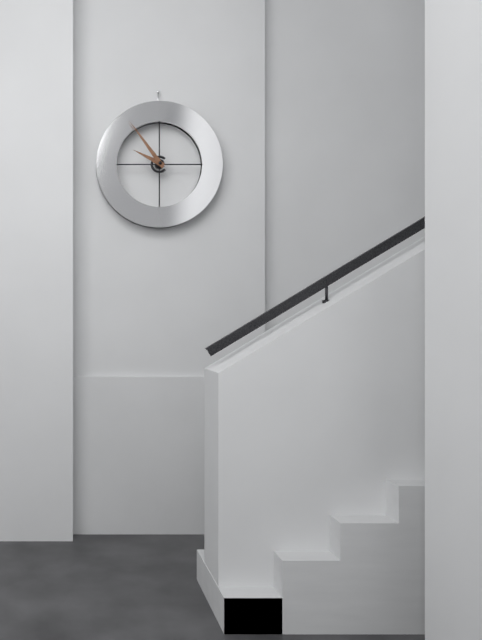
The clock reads h=9 m=54
